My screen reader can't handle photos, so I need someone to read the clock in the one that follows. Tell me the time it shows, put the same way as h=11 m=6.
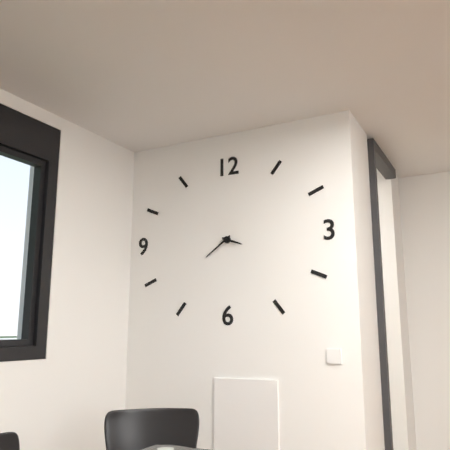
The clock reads h=3 m=39
